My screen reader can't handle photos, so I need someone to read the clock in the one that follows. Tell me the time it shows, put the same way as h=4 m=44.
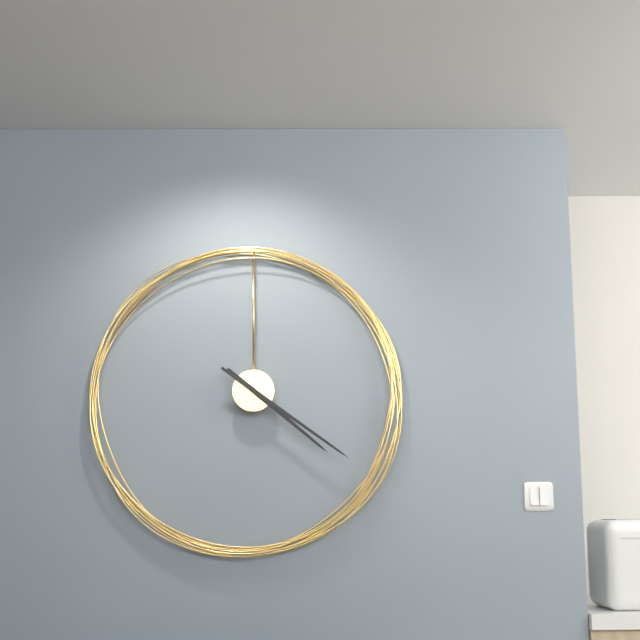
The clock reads h=4 m=21
